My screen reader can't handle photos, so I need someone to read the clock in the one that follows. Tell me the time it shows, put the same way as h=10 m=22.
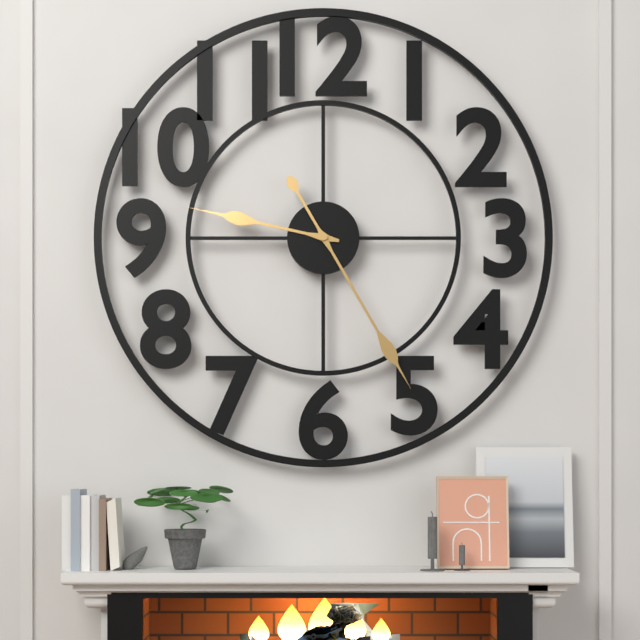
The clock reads h=9 m=25
